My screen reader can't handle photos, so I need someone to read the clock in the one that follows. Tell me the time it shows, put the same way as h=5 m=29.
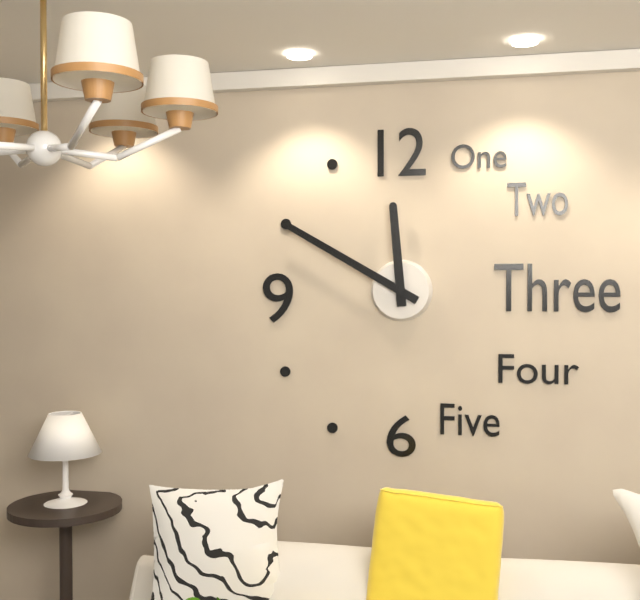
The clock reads h=11 m=50
